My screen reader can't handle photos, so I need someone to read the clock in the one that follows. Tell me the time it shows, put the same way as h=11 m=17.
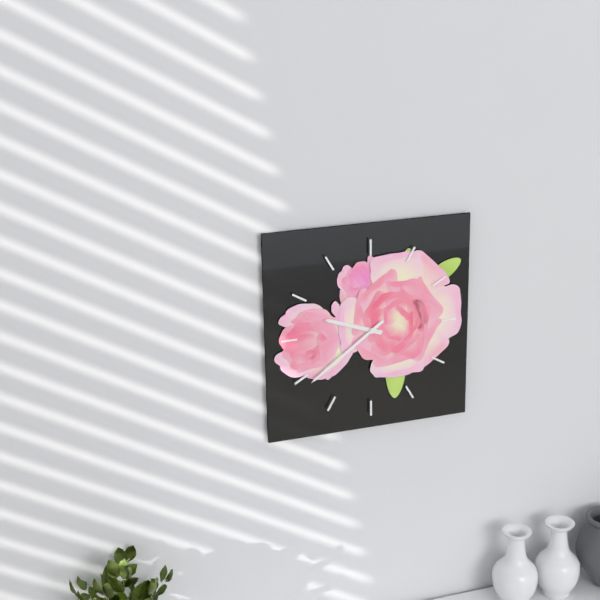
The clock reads h=9 m=39
